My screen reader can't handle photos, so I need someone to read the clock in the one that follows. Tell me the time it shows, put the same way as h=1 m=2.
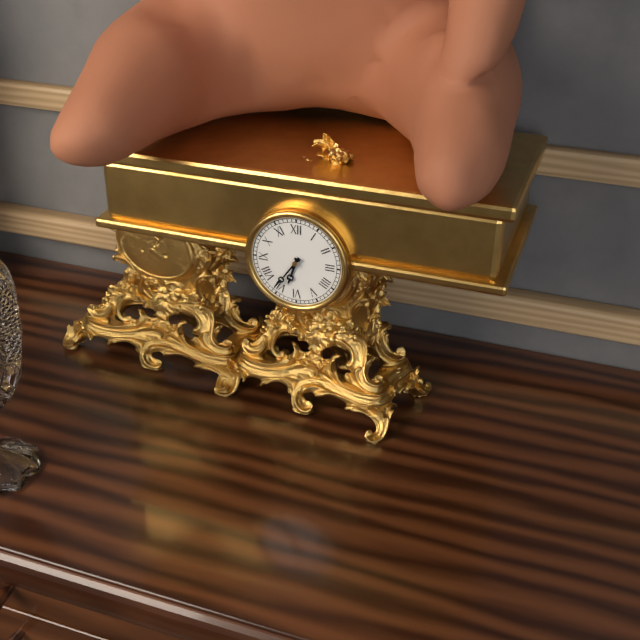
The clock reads h=6 m=36
